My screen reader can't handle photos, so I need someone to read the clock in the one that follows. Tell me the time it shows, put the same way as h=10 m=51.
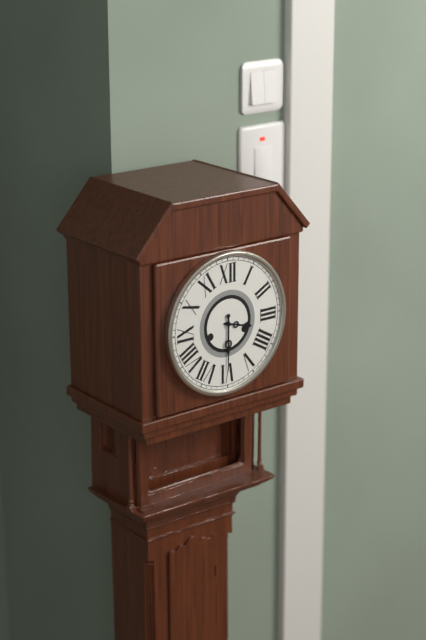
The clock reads h=3 m=30
